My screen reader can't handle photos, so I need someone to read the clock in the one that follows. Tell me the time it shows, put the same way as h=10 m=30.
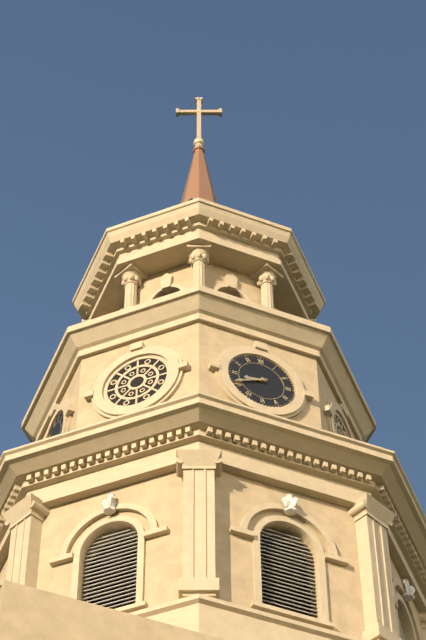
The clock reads h=8 m=41
